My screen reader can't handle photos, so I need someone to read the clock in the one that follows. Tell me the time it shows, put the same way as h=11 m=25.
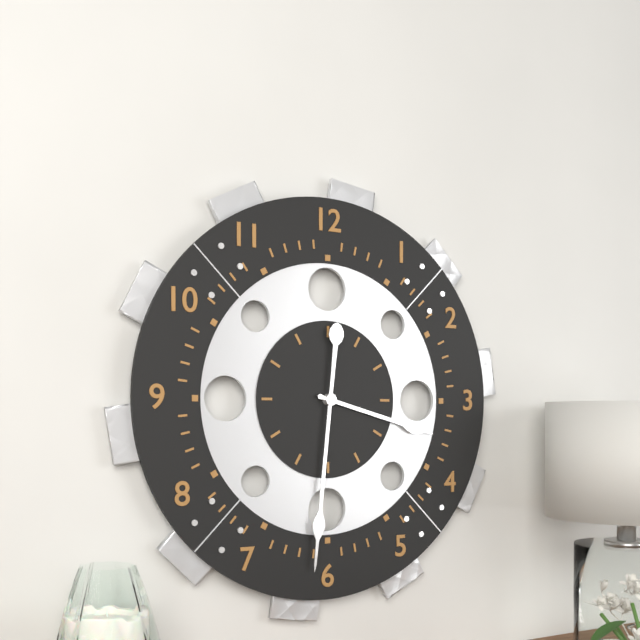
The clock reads h=3 m=31
